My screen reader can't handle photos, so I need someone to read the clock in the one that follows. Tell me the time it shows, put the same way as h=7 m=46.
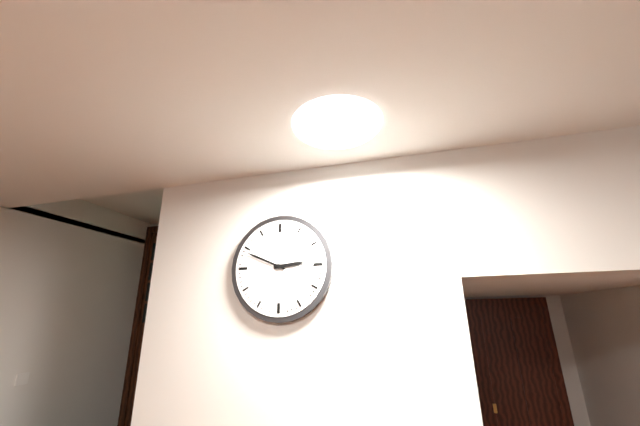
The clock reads h=2 m=49
